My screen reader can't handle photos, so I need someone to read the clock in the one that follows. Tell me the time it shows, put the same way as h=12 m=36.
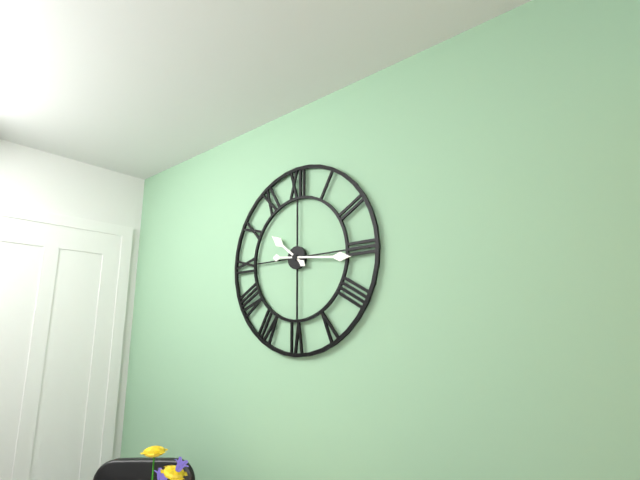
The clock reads h=10 m=16
